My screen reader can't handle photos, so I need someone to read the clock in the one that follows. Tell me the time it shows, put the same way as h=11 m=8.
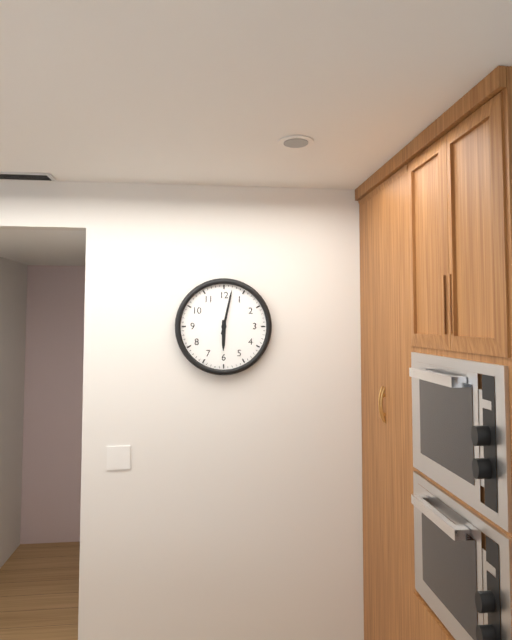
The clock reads h=6 m=2
